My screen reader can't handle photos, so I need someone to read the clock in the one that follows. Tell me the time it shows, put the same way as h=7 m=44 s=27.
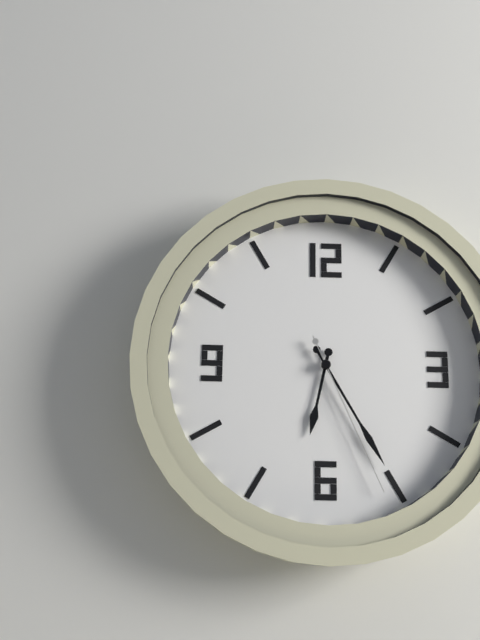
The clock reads h=6 m=25 s=26
